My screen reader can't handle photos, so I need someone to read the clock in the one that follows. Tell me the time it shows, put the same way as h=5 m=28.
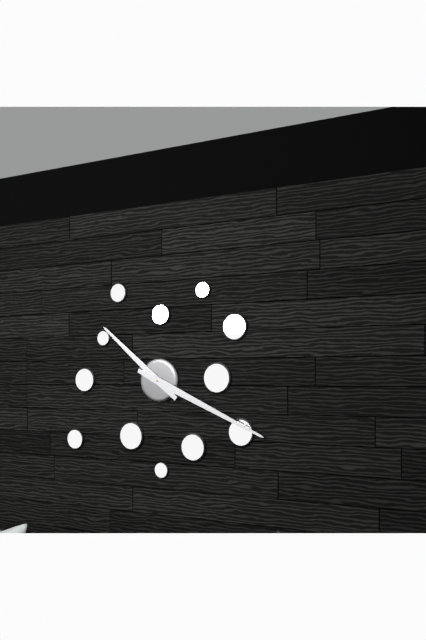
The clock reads h=10 m=19
